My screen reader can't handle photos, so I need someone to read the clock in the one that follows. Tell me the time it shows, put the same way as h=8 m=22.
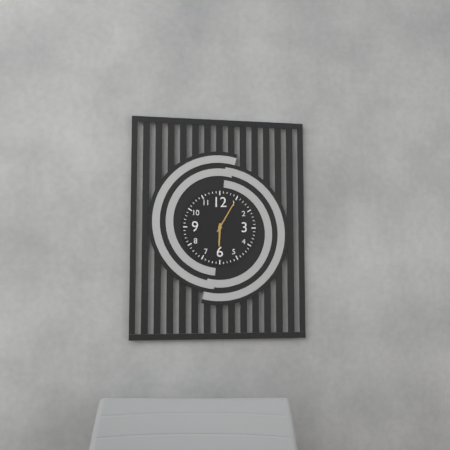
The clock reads h=6 m=5
